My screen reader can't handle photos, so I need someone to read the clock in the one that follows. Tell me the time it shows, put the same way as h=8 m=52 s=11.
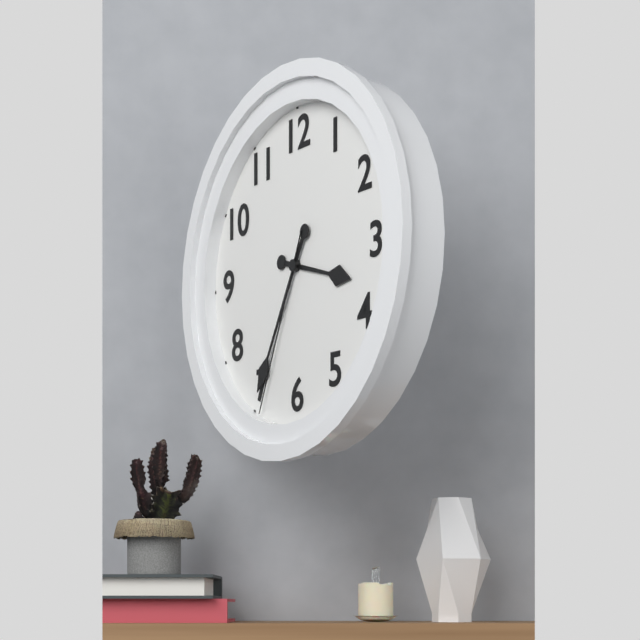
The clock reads h=3 m=35 s=34
